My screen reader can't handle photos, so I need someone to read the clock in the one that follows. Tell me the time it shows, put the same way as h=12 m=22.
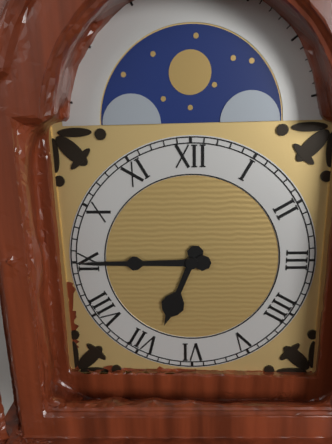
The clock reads h=6 m=45
